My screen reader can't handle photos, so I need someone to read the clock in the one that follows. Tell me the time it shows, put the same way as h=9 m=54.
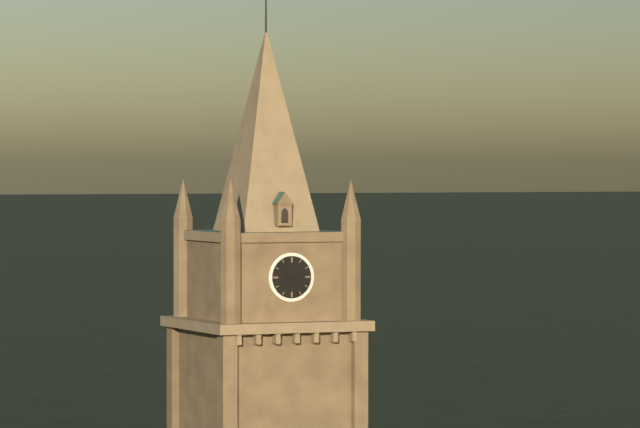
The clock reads h=10 m=16
